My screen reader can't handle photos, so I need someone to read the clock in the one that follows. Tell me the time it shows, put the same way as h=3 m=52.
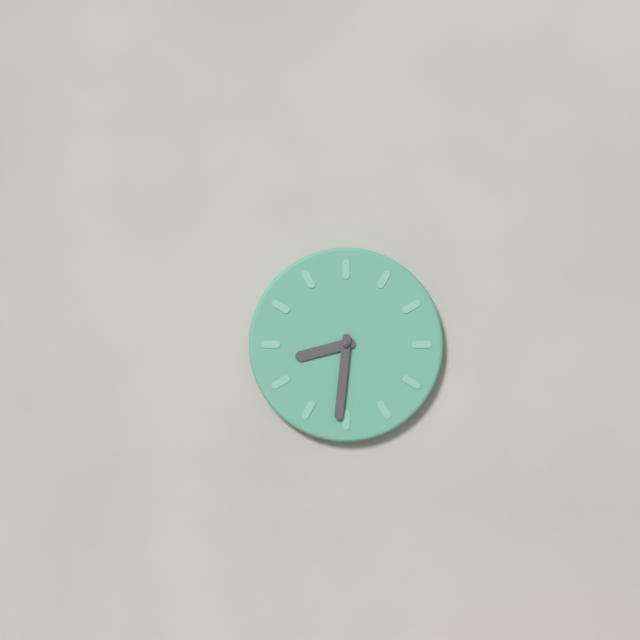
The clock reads h=8 m=31
